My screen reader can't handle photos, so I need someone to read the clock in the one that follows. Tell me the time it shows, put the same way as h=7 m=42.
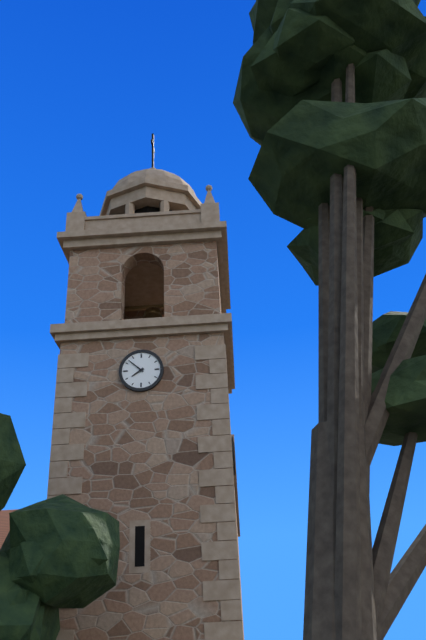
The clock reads h=7 m=52
